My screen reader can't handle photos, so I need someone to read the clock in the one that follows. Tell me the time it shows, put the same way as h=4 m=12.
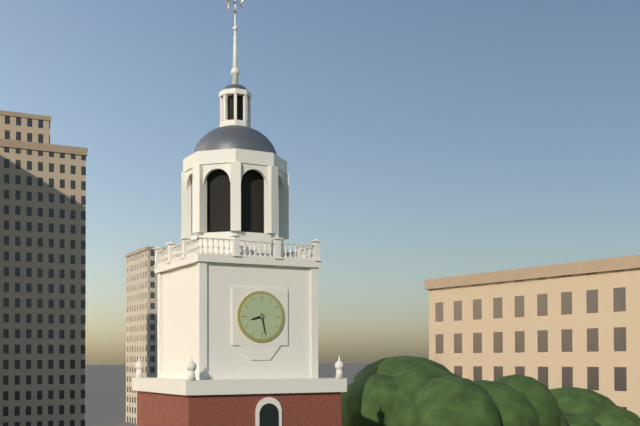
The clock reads h=8 m=28
